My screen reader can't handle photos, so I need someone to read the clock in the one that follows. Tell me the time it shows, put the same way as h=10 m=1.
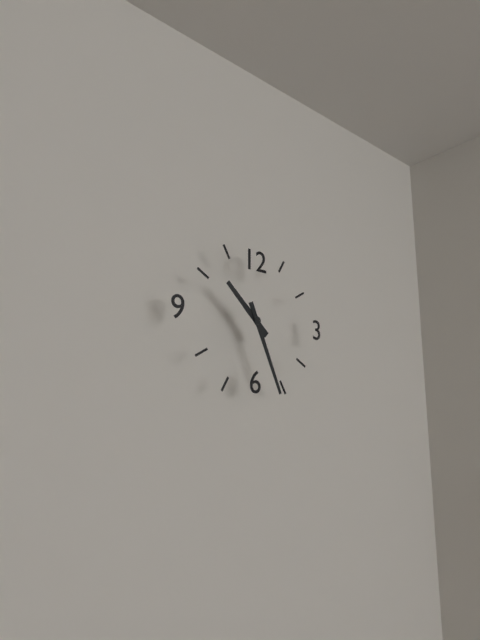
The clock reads h=10 m=26
